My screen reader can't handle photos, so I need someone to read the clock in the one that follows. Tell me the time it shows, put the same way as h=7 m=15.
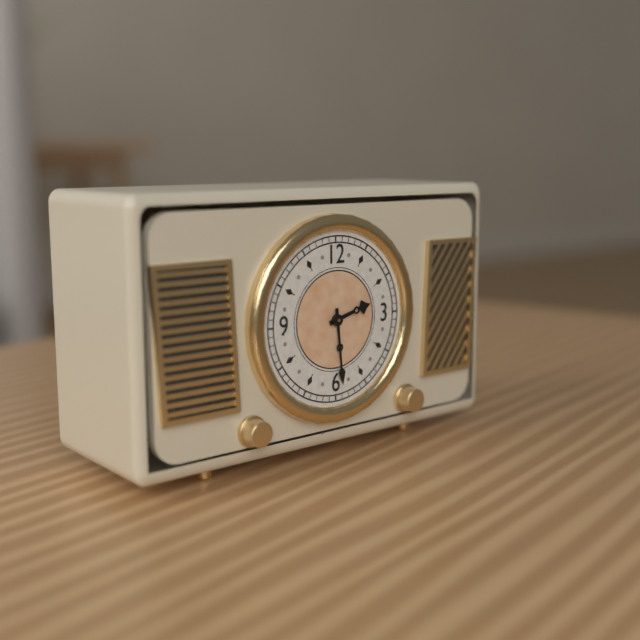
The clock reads h=2 m=29
